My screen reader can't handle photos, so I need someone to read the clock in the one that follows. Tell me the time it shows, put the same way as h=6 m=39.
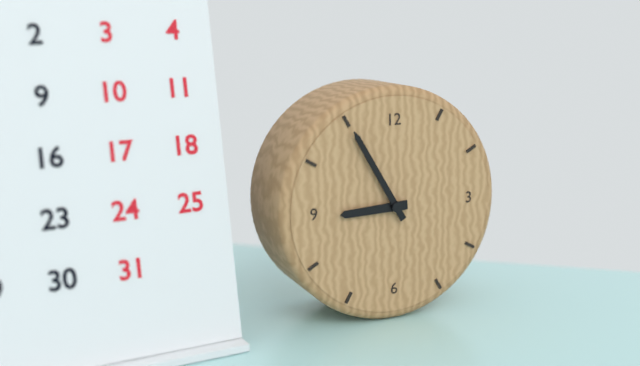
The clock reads h=8 m=55
